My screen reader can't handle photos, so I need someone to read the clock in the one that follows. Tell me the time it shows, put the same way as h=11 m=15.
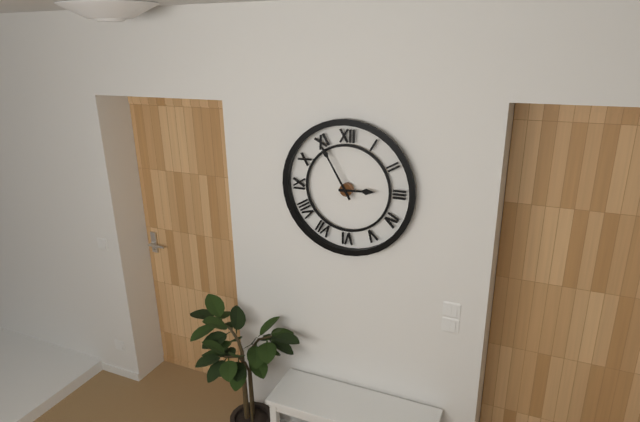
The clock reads h=2 m=55
